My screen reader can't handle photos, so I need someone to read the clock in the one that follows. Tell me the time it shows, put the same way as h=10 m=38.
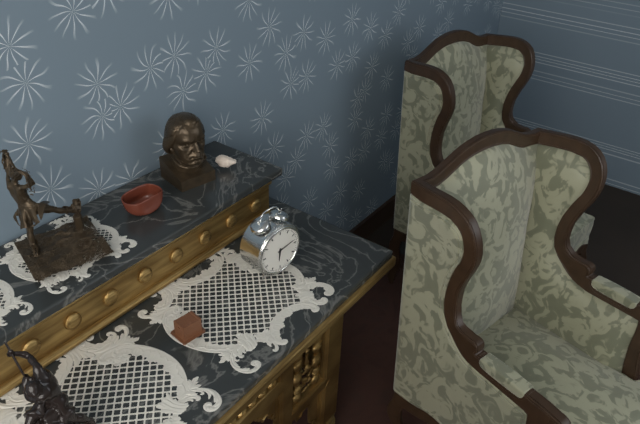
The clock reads h=6 m=13
